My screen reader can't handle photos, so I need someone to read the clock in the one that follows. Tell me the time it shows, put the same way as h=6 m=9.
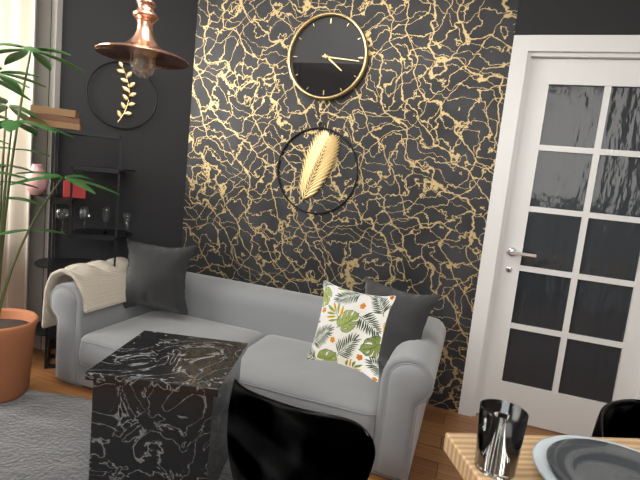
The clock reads h=4 m=16
